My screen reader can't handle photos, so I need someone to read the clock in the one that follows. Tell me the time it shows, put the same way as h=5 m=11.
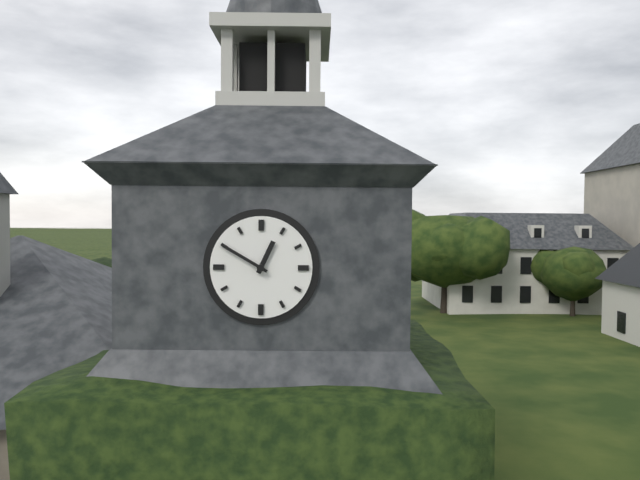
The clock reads h=12 m=50
